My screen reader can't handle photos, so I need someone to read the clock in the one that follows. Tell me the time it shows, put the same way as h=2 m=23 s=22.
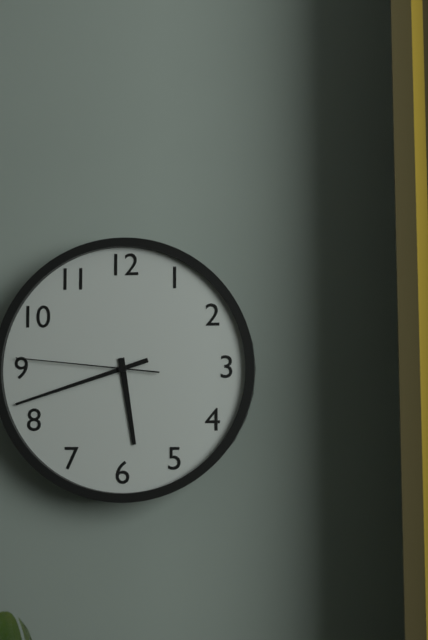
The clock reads h=5 m=42 s=46
